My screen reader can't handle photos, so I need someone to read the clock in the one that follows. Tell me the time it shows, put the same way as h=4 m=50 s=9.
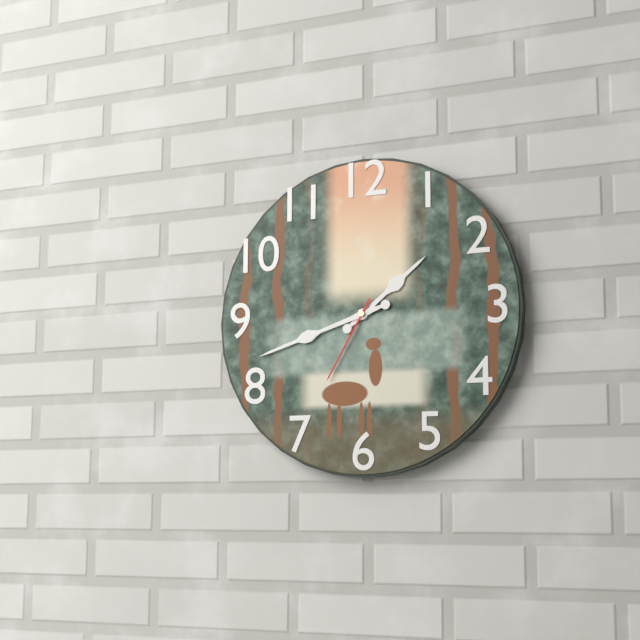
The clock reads h=1 m=42 s=35
